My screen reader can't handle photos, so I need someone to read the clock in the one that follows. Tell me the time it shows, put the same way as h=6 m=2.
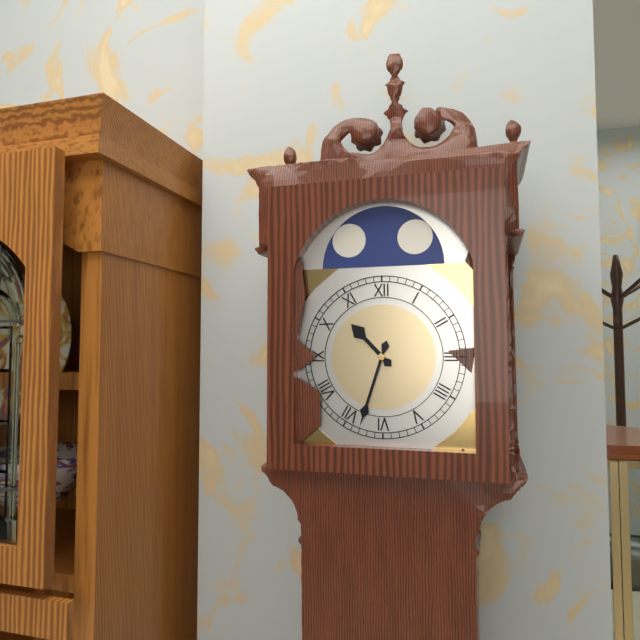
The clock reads h=10 m=33
